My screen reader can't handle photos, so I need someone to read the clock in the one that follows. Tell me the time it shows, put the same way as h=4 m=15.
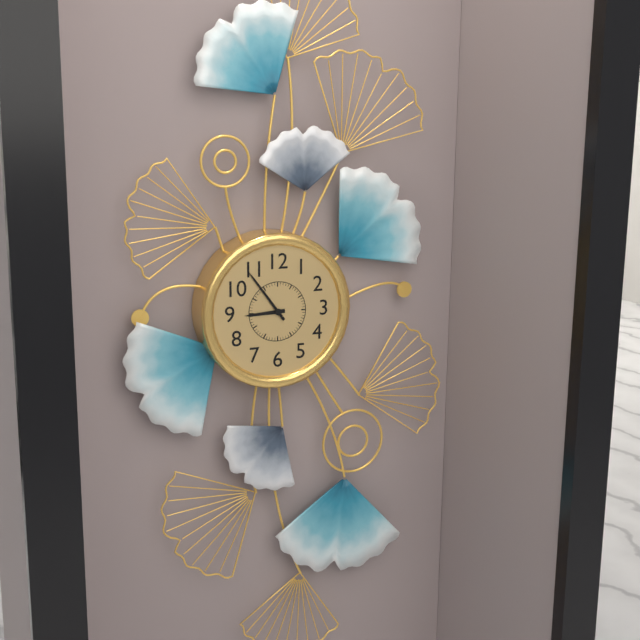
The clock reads h=8 m=54
